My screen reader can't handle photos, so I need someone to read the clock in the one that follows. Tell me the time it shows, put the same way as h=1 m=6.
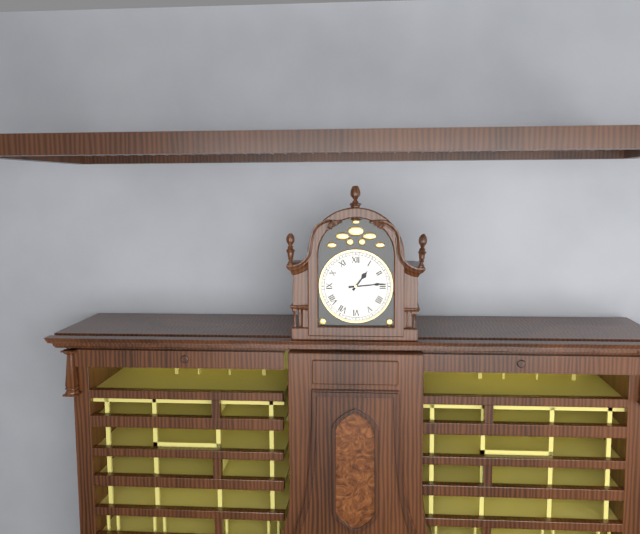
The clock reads h=1 m=14
